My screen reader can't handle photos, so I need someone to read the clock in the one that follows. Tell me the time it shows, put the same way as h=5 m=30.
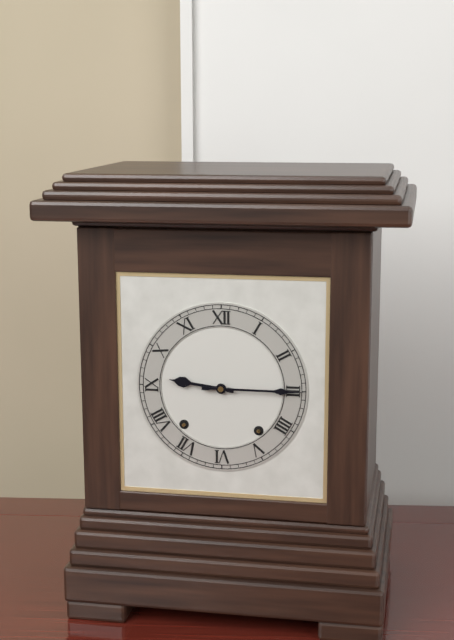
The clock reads h=9 m=15
